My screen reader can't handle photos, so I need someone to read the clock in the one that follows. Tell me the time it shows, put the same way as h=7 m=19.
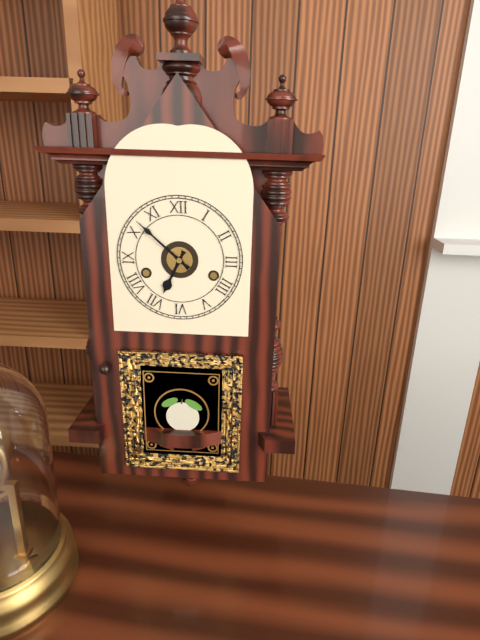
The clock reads h=6 m=52
